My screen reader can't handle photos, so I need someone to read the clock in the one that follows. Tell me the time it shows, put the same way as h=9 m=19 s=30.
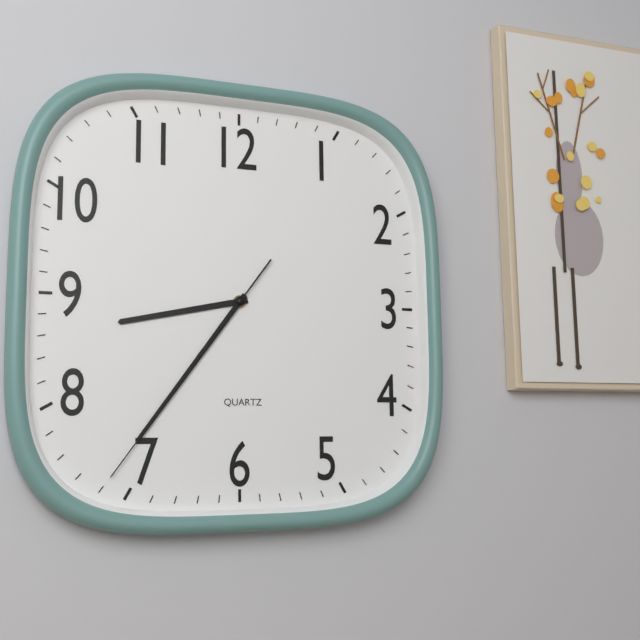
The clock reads h=8 m=36 s=36
